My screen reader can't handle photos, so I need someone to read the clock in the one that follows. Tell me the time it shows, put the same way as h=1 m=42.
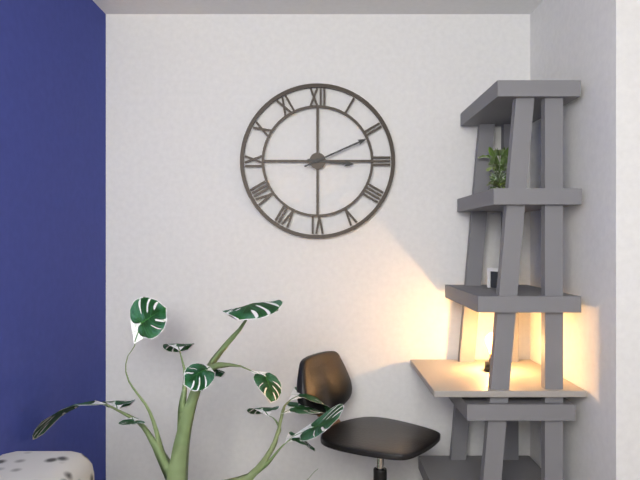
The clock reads h=3 m=11
